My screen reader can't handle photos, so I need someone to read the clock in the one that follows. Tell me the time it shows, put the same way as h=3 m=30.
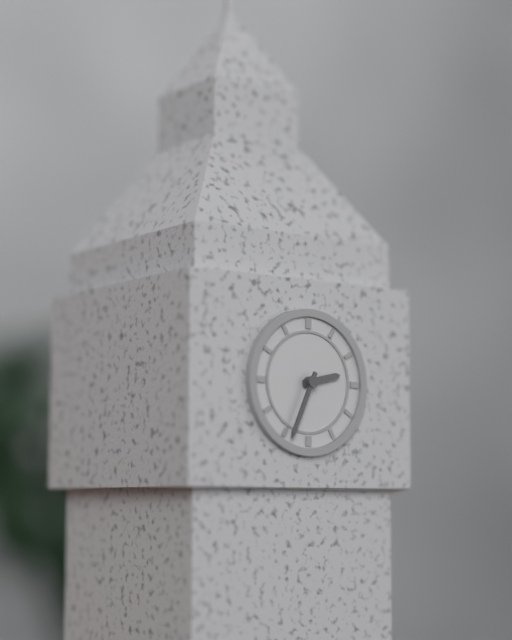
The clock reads h=2 m=34
